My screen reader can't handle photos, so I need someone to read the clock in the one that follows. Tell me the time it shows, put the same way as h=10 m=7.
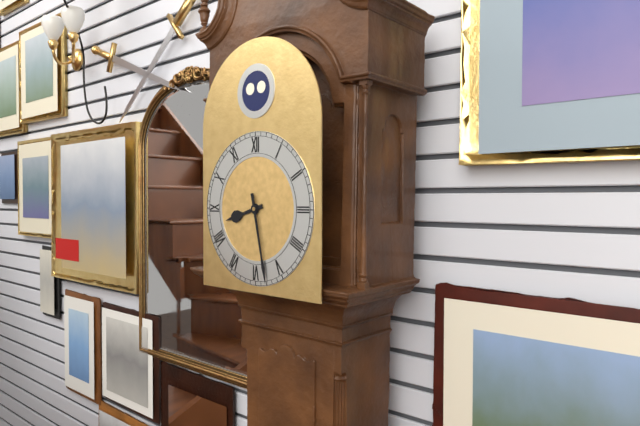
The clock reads h=8 m=28
